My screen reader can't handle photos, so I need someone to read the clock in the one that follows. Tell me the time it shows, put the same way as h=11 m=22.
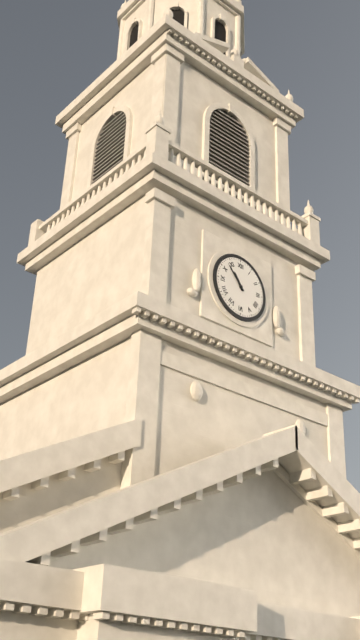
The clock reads h=10 m=53
